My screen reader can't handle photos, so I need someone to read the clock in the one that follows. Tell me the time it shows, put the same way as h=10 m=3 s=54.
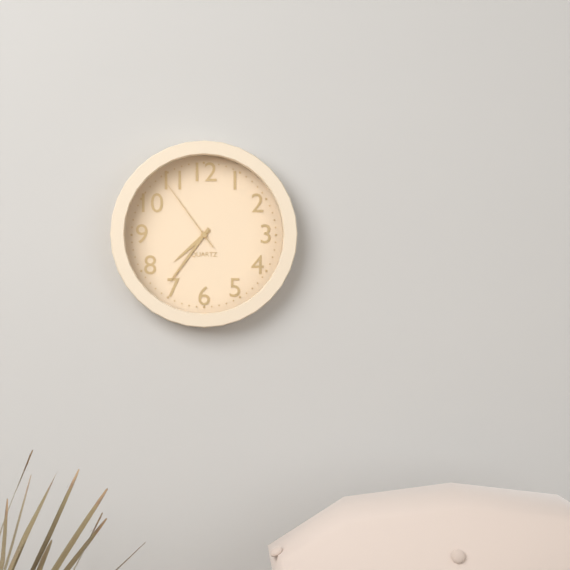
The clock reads h=7 m=36 s=54
